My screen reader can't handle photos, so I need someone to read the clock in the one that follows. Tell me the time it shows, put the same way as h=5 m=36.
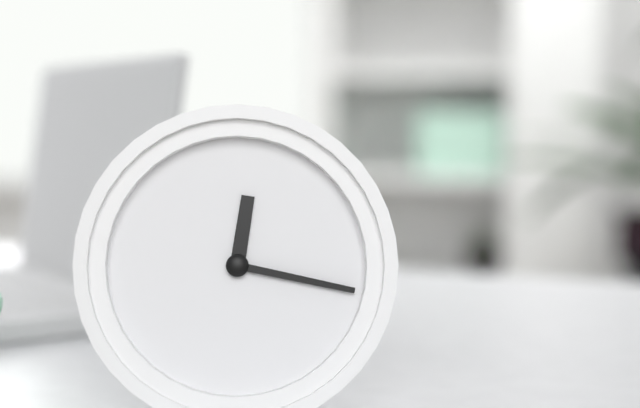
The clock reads h=12 m=17
